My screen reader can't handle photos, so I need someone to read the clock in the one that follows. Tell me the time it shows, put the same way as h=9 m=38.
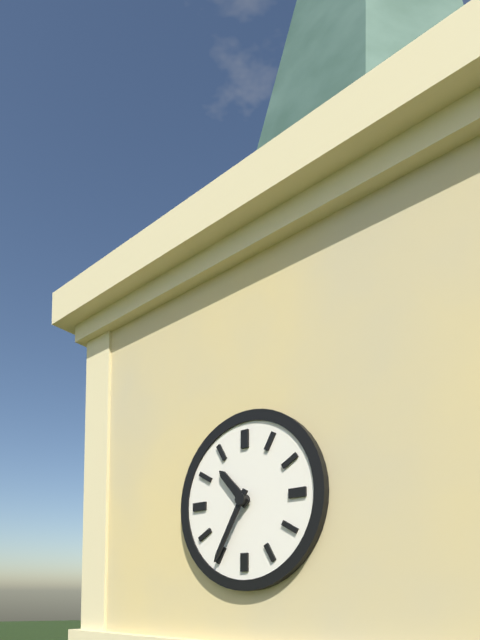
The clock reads h=10 m=35
